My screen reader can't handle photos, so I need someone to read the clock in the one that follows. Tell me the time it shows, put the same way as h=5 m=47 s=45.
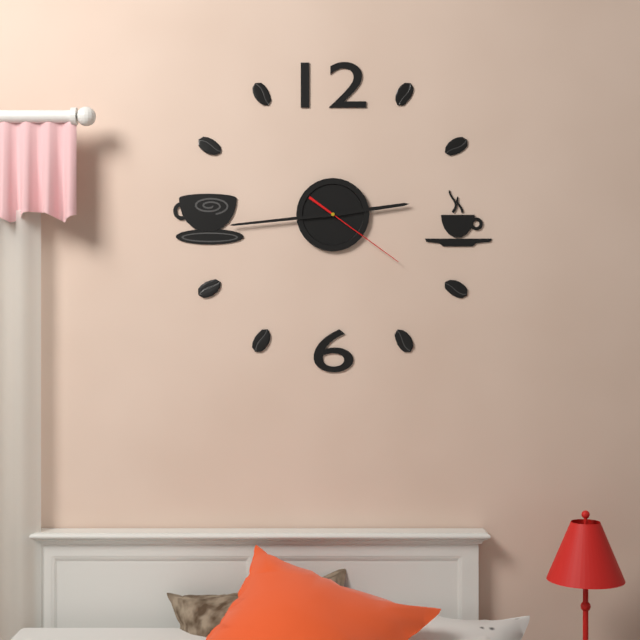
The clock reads h=2 m=44 s=21
